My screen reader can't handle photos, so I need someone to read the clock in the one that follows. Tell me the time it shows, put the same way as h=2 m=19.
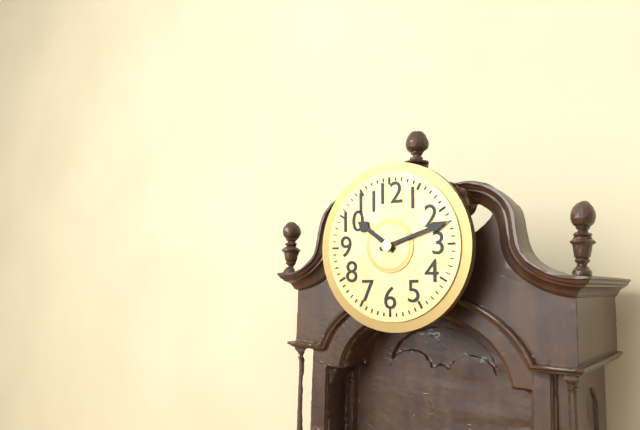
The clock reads h=10 m=12
